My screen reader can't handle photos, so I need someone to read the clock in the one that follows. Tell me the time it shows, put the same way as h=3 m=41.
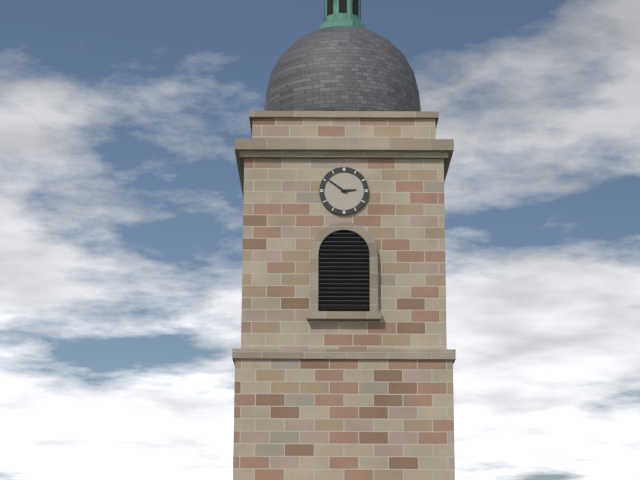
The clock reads h=2 m=51
